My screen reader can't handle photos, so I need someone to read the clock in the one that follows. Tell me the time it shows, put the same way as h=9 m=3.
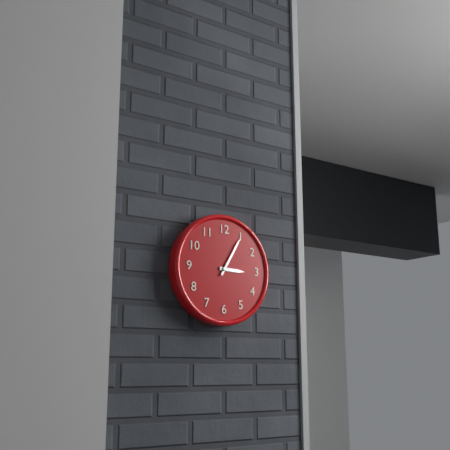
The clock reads h=3 m=5
